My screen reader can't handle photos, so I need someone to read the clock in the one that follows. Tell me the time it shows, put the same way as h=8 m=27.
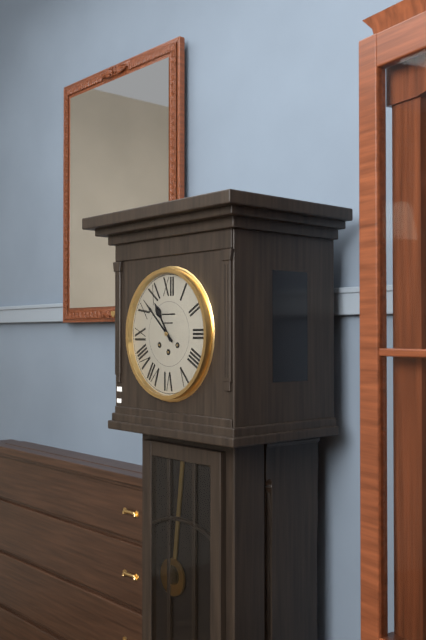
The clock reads h=10 m=52
